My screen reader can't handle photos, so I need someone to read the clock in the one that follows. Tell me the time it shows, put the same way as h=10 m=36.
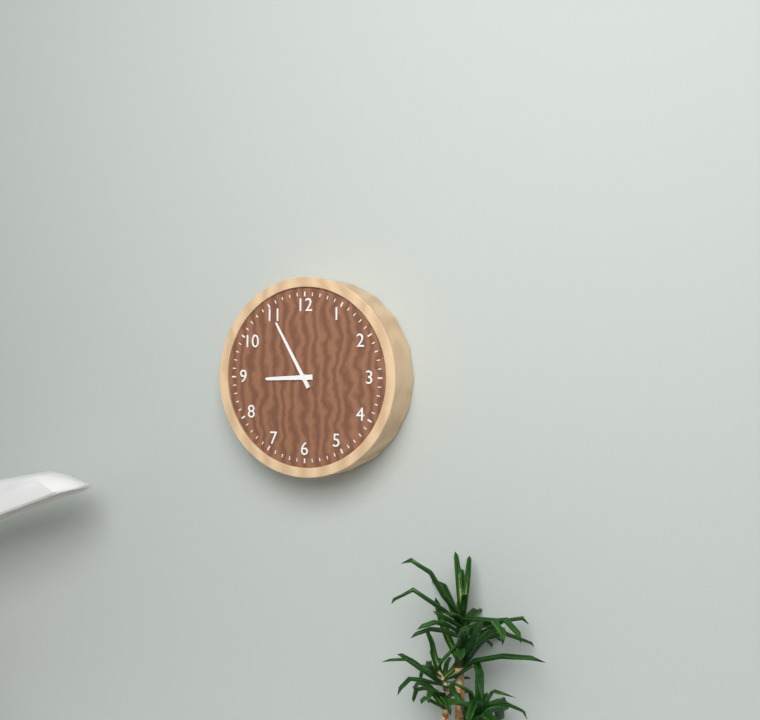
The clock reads h=8 m=55
